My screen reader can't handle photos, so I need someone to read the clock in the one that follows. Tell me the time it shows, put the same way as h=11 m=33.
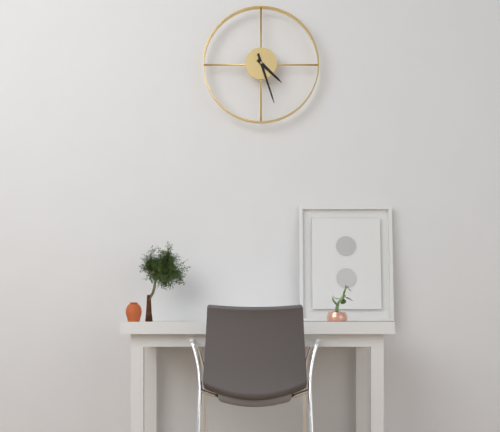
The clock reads h=4 m=27
